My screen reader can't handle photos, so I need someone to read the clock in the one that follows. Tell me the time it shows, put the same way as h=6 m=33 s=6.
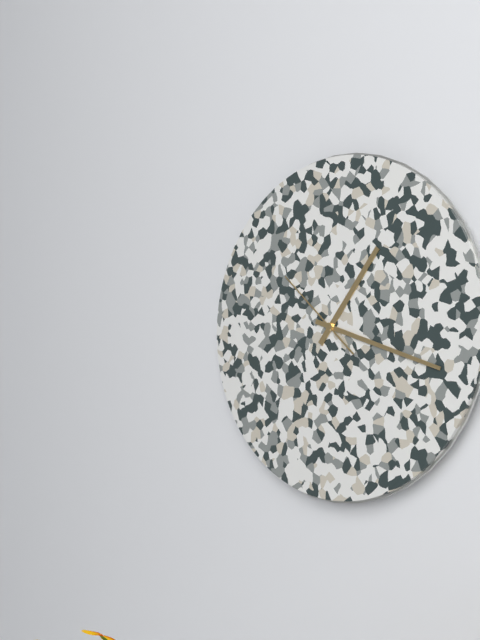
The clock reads h=1 m=18 s=52
